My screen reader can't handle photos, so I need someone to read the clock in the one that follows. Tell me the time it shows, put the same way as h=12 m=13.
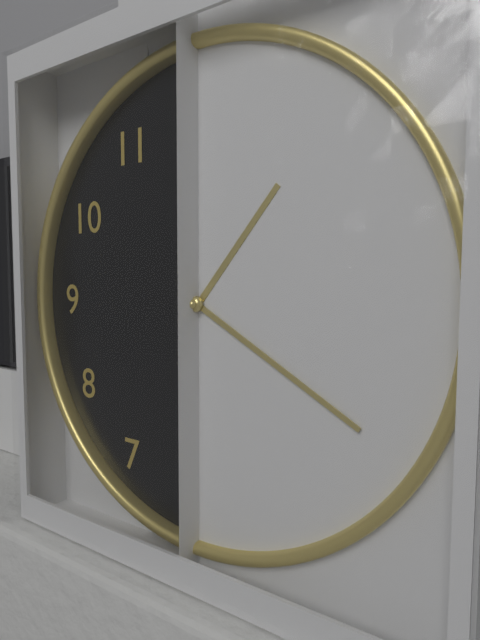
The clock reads h=1 m=20
